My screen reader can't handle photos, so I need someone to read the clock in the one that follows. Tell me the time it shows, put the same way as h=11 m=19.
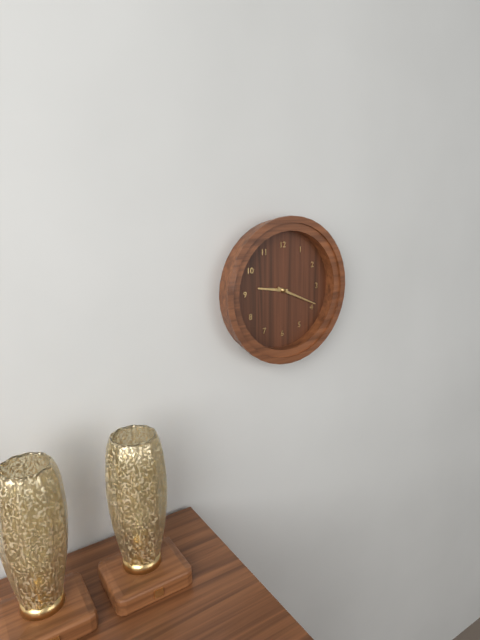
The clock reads h=9 m=19
